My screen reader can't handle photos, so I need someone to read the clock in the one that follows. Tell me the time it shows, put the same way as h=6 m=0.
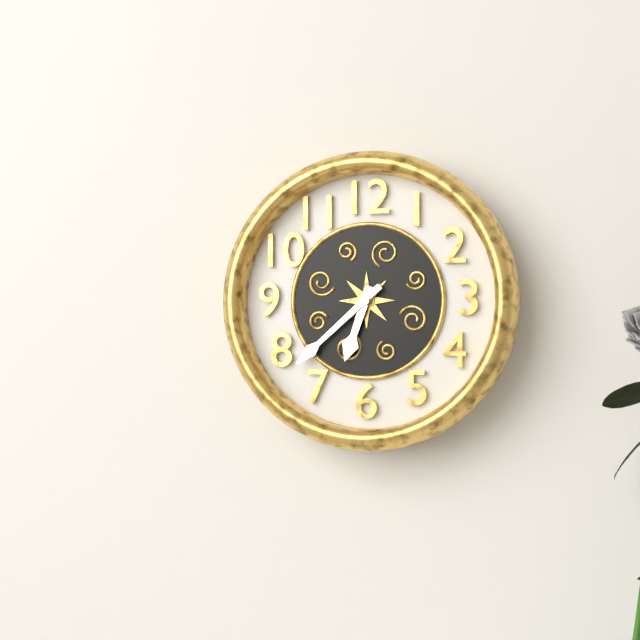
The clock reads h=6 m=38
